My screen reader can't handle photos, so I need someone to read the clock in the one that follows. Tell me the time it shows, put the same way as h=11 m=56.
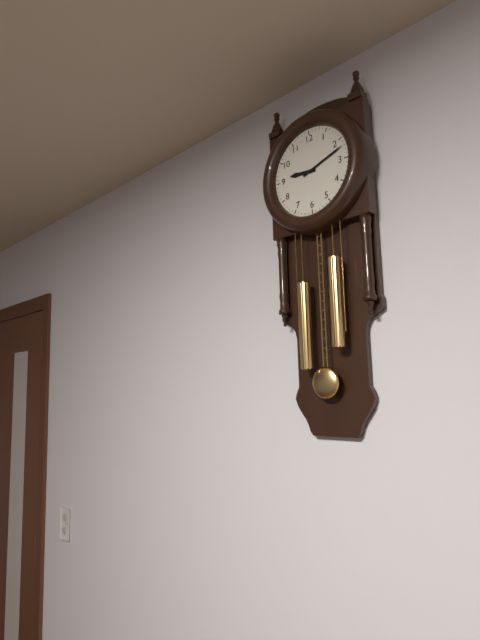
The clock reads h=9 m=12
